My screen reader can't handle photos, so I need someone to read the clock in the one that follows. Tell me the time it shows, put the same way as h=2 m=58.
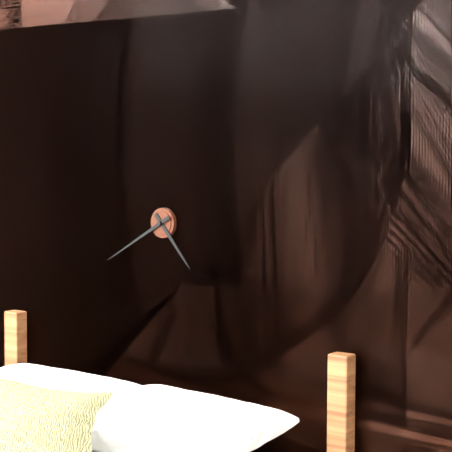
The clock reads h=4 m=40
